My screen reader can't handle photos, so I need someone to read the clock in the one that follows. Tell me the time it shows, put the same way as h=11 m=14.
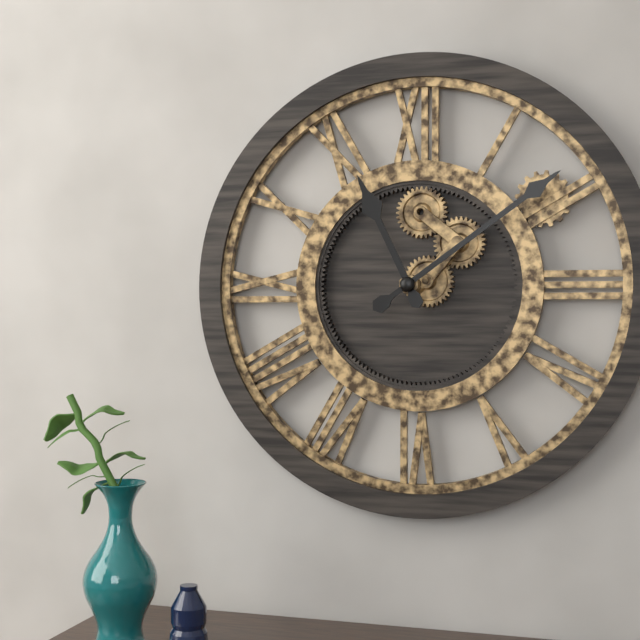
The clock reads h=11 m=9
